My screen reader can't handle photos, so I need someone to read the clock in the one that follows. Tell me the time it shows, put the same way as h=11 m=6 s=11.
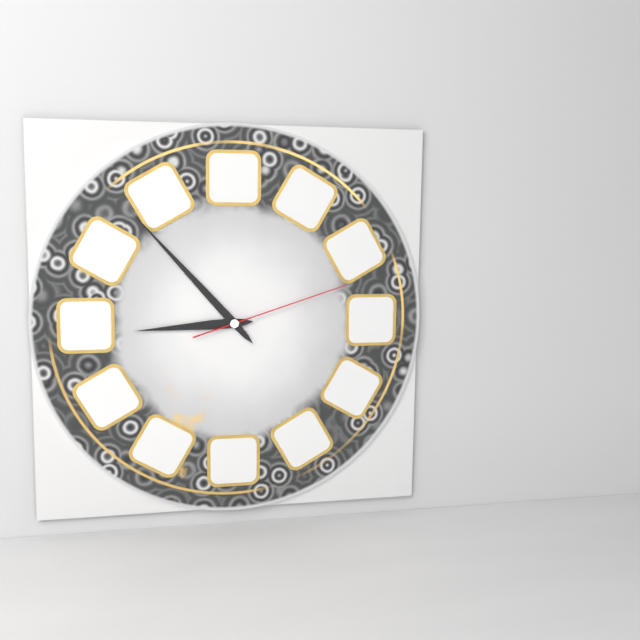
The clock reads h=8 m=53 s=12
